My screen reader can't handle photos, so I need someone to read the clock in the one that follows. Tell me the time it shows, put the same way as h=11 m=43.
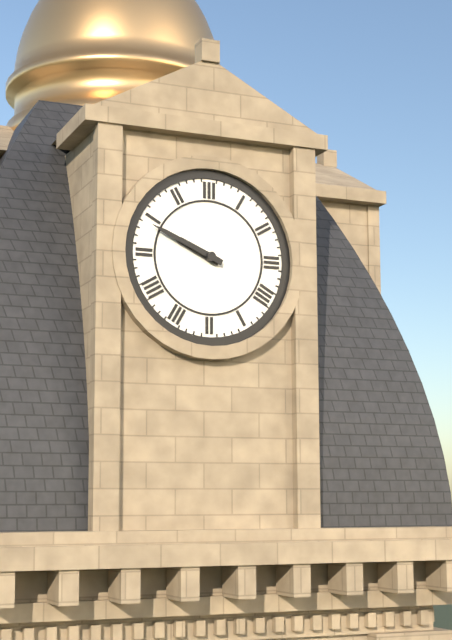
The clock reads h=9 m=49
